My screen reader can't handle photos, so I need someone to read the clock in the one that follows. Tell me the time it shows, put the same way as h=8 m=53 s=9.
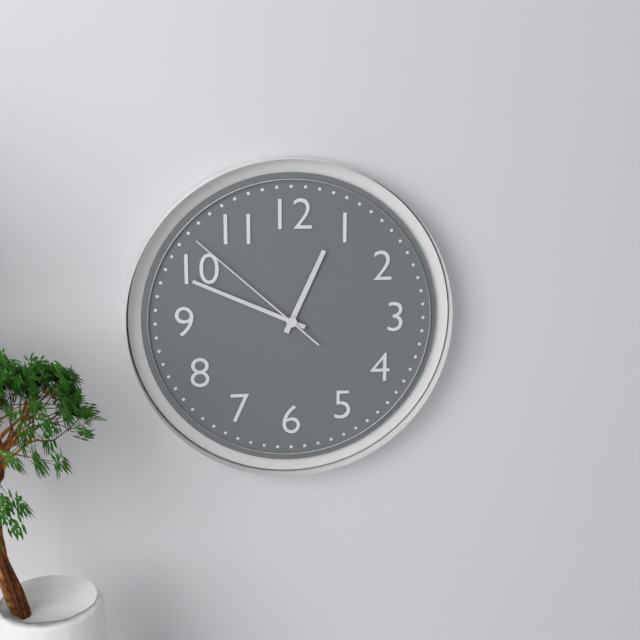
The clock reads h=12 m=49 s=52
